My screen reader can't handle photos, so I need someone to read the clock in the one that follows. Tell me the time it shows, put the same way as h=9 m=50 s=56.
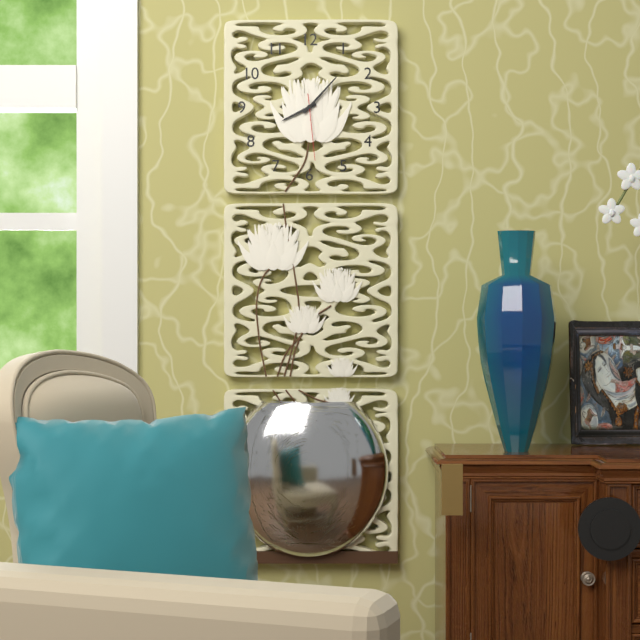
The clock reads h=8 m=7 s=29
